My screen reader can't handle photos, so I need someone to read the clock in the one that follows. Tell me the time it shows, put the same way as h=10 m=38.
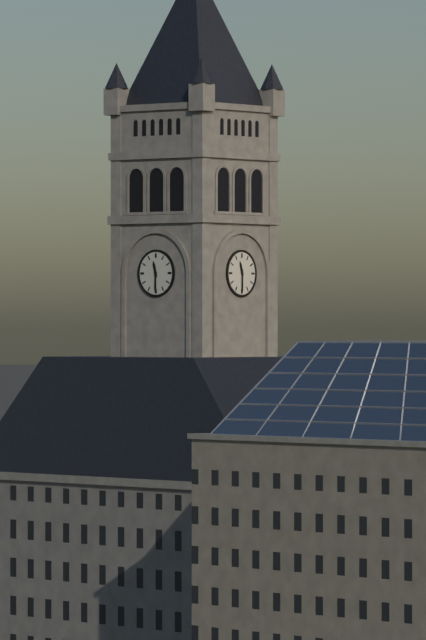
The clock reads h=11 m=30
